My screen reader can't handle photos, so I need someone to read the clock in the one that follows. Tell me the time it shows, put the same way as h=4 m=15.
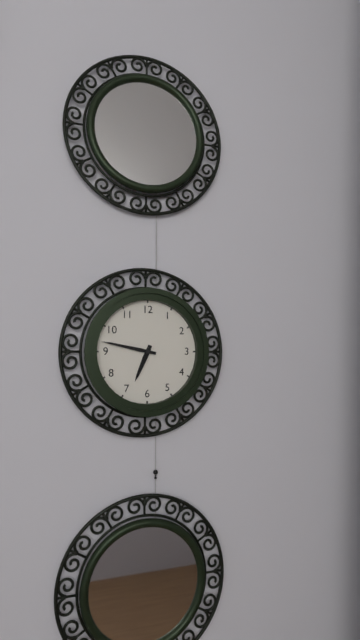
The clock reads h=6 m=47
